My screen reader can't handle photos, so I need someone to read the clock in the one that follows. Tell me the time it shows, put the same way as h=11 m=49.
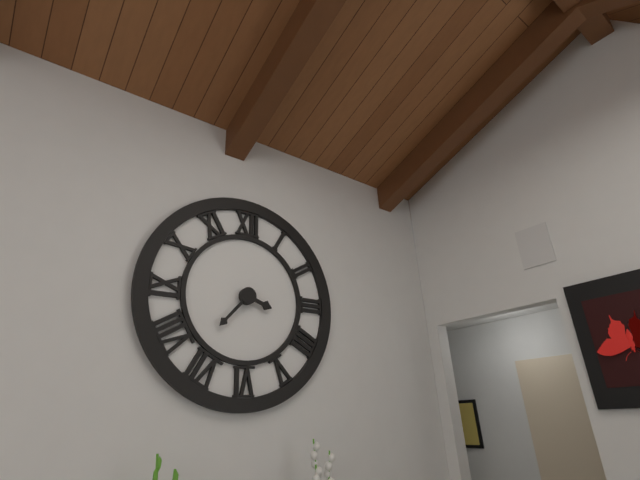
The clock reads h=3 m=37
